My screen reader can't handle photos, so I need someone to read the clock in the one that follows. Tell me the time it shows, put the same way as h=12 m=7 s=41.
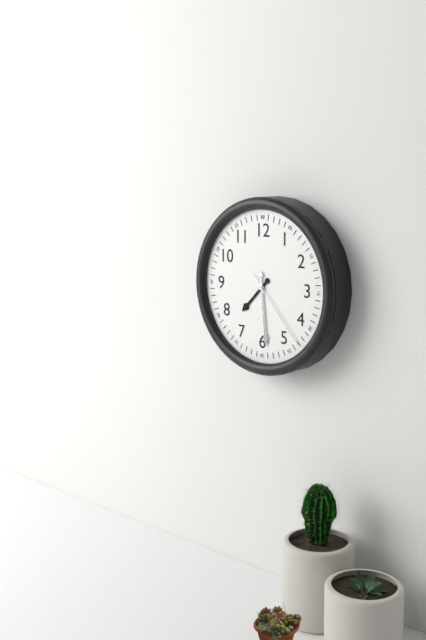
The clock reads h=7 m=29 s=23
